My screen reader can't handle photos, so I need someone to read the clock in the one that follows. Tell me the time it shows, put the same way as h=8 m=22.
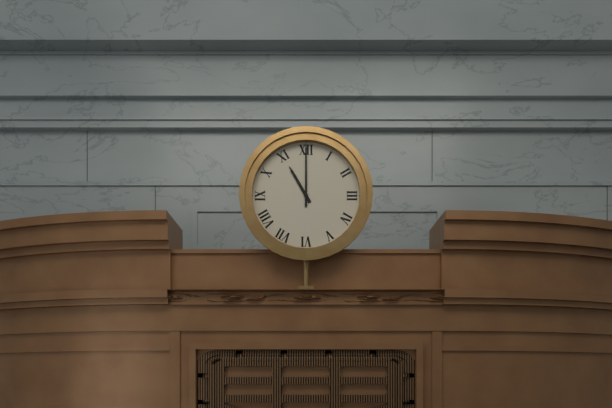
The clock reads h=11 m=0
